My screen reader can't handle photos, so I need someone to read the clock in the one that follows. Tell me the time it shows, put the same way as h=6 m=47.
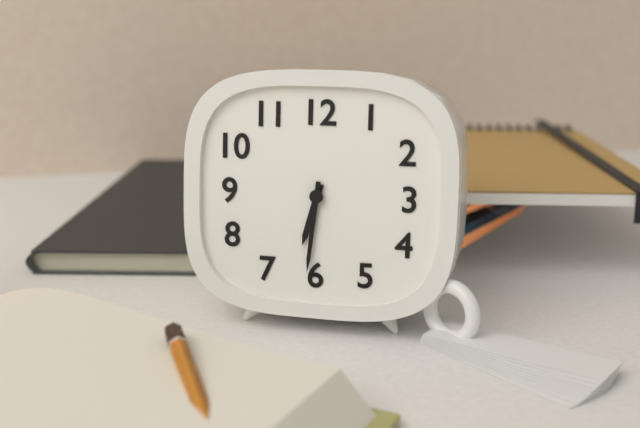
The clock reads h=6 m=31
